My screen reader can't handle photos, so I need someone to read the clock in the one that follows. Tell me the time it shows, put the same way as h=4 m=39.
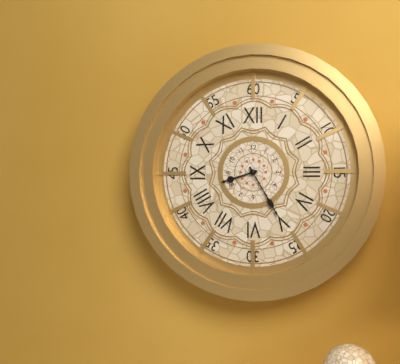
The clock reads h=8 m=25
